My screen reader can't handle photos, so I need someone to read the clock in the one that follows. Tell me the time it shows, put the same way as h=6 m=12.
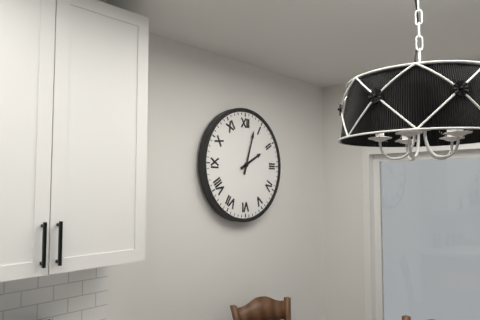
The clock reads h=2 m=3
